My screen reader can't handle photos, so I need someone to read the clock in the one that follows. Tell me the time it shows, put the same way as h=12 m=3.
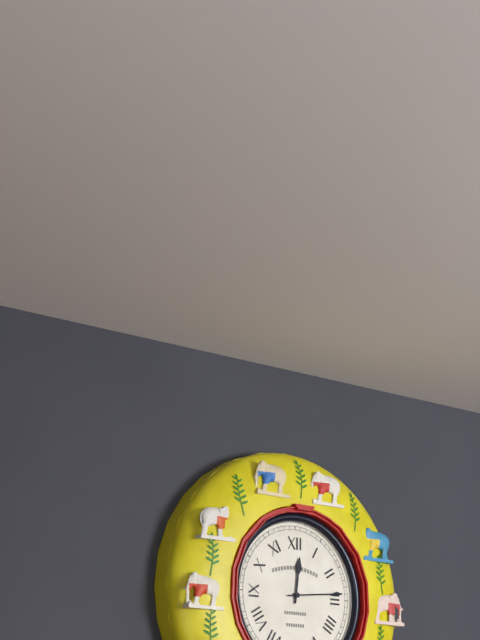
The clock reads h=12 m=14
